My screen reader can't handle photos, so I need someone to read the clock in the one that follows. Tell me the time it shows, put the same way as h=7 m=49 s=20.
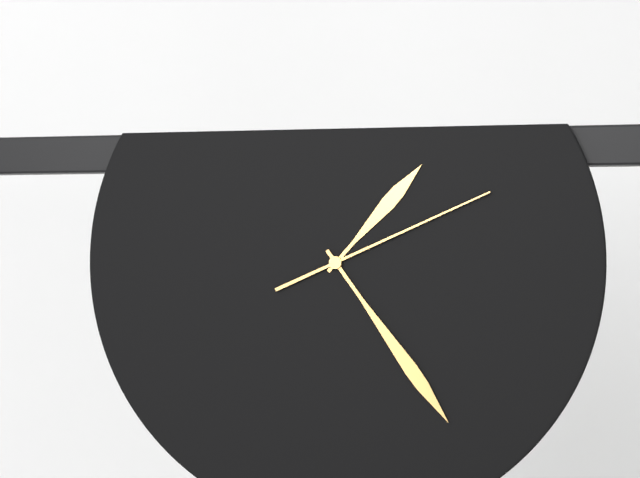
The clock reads h=1 m=24 s=11
